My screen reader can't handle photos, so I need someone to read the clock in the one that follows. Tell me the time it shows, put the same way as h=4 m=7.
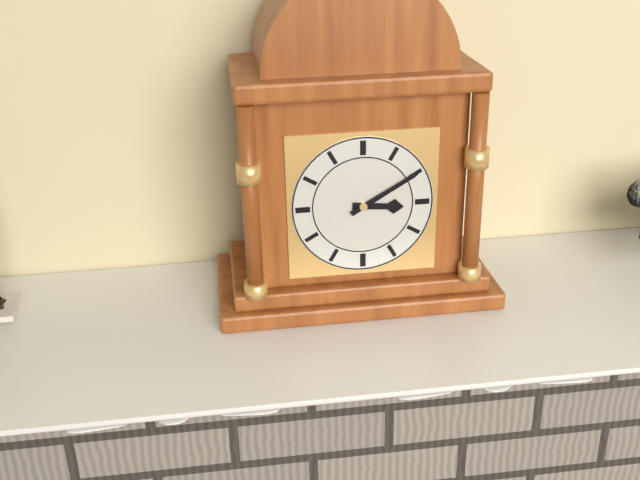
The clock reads h=3 m=10
